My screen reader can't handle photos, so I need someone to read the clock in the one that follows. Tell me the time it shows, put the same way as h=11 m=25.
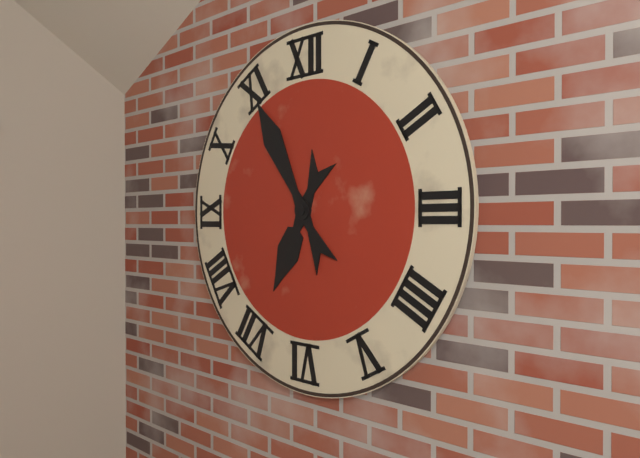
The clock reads h=6 m=55
